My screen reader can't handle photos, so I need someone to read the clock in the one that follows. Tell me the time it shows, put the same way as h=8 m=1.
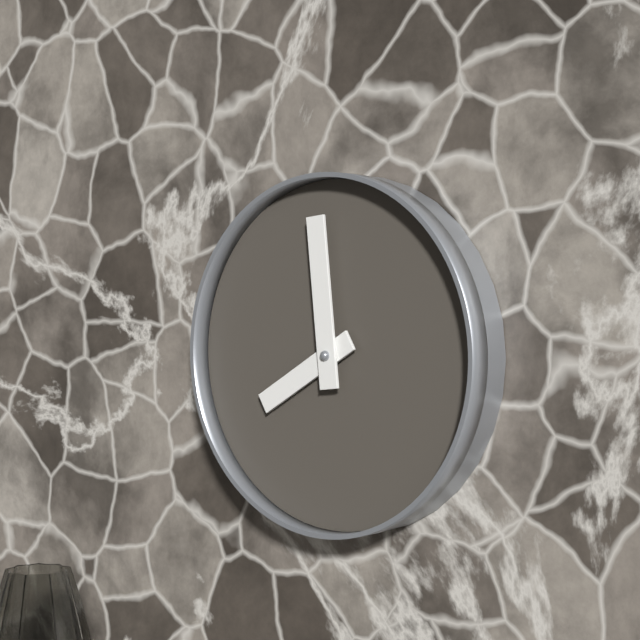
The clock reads h=7 m=59
